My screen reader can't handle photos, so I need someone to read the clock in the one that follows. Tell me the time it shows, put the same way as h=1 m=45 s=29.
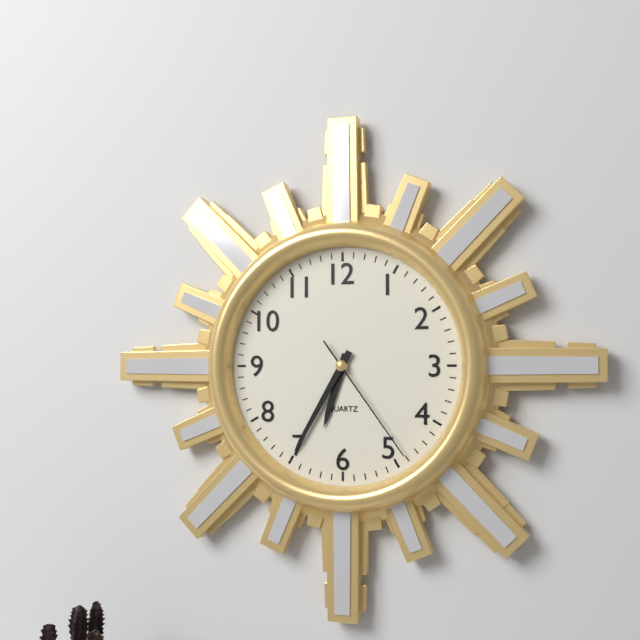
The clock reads h=6 m=35 s=24
